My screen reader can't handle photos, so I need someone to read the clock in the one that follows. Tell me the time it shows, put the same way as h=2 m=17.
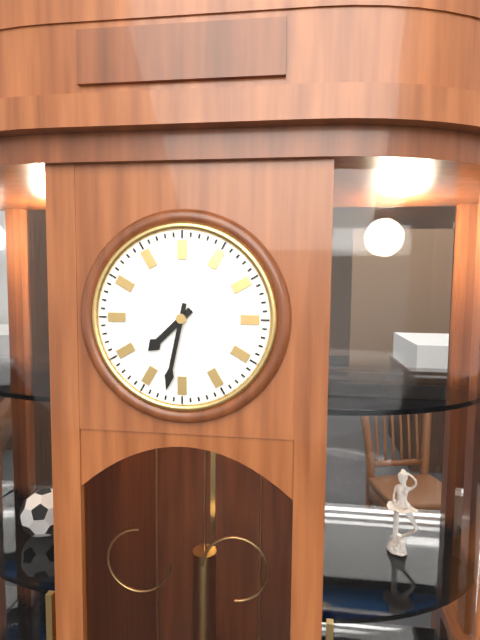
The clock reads h=7 m=32
